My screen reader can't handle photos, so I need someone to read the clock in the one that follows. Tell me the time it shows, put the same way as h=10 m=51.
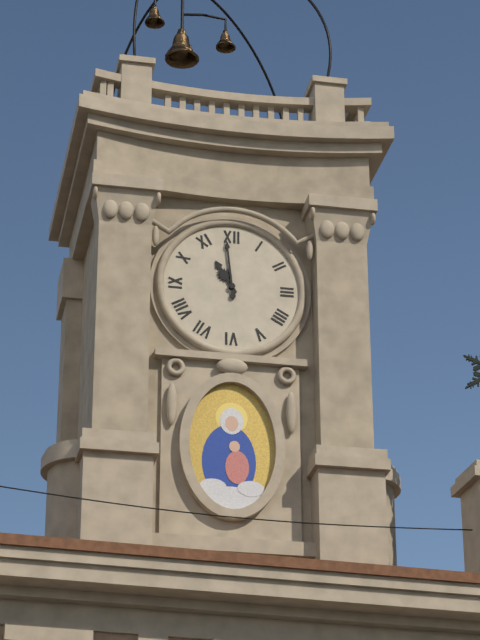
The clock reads h=10 m=59
